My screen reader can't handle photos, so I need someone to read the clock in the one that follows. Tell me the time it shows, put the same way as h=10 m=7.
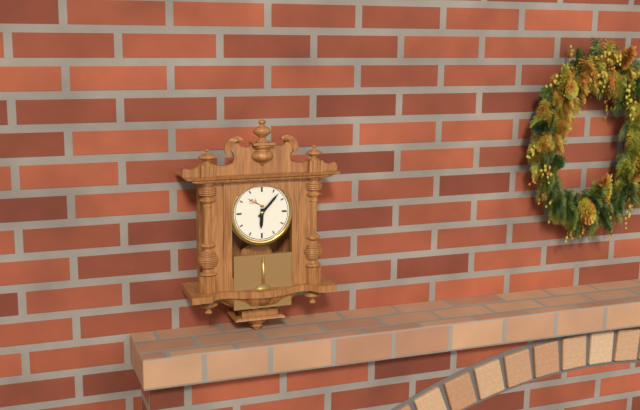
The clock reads h=6 m=7
